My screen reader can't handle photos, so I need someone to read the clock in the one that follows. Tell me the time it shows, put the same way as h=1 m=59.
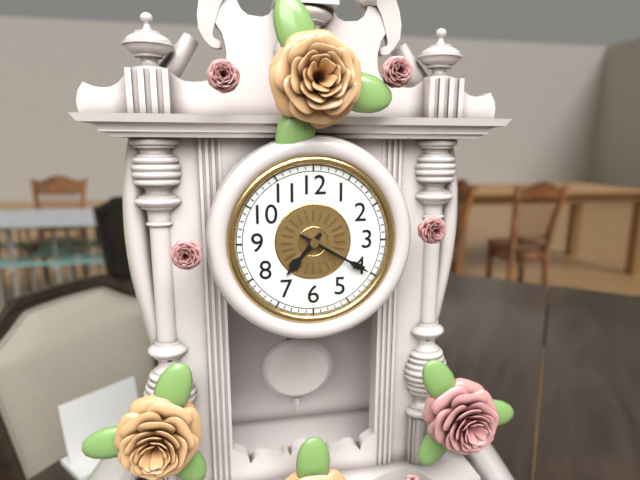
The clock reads h=7 m=20
